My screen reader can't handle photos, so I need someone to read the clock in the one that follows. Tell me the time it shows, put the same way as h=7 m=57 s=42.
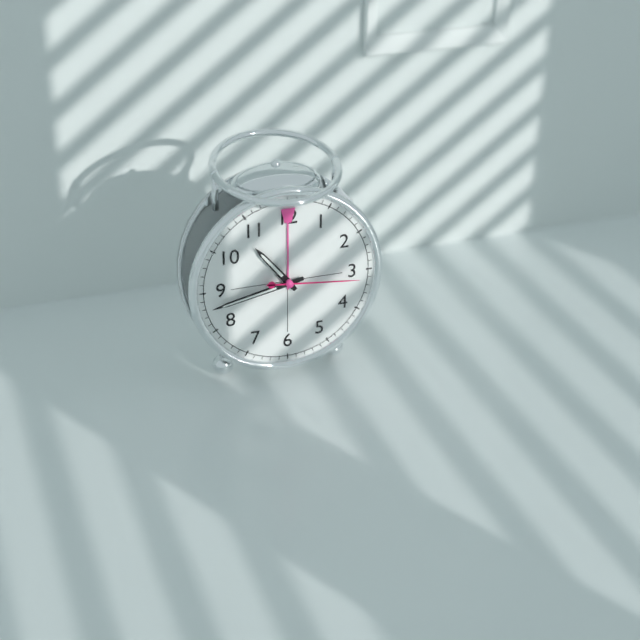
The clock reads h=10 m=43 s=16
